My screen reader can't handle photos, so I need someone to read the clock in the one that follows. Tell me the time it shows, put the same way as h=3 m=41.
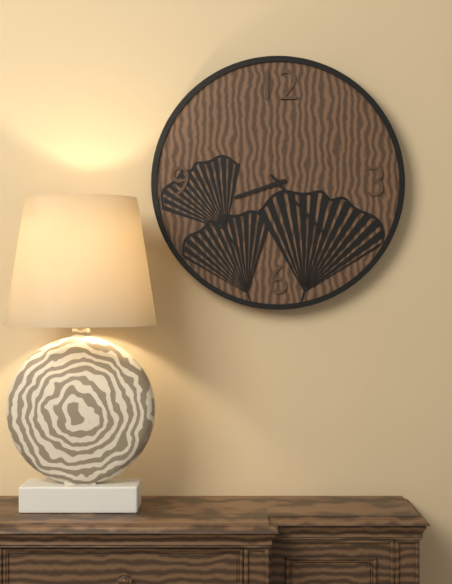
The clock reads h=8 m=23
